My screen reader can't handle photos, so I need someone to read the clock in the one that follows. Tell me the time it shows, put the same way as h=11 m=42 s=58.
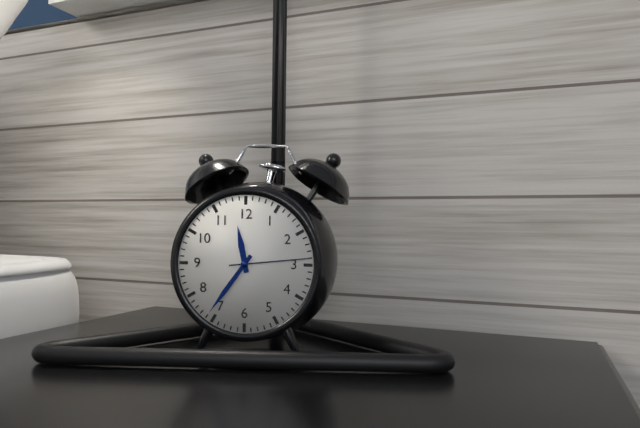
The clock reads h=11 m=36 s=14
